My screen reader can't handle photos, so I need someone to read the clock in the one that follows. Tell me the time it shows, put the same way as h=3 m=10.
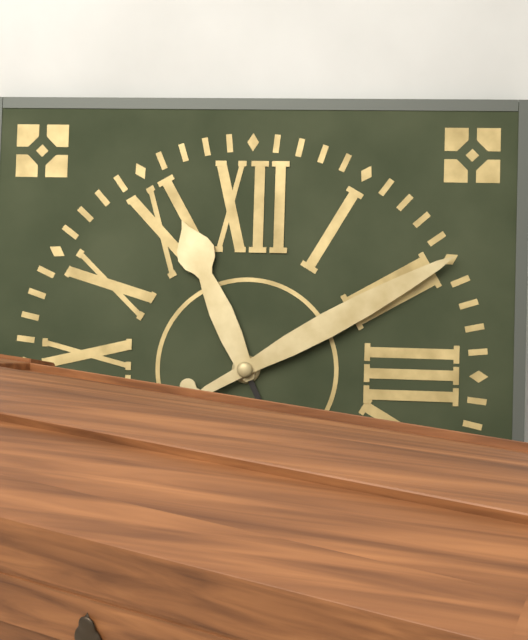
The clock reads h=11 m=10
